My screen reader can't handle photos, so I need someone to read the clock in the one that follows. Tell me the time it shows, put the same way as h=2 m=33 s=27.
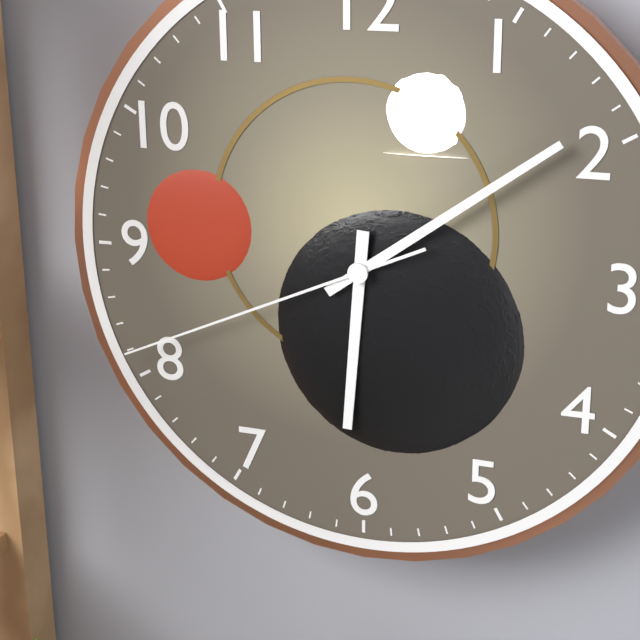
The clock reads h=6 m=9 s=41
